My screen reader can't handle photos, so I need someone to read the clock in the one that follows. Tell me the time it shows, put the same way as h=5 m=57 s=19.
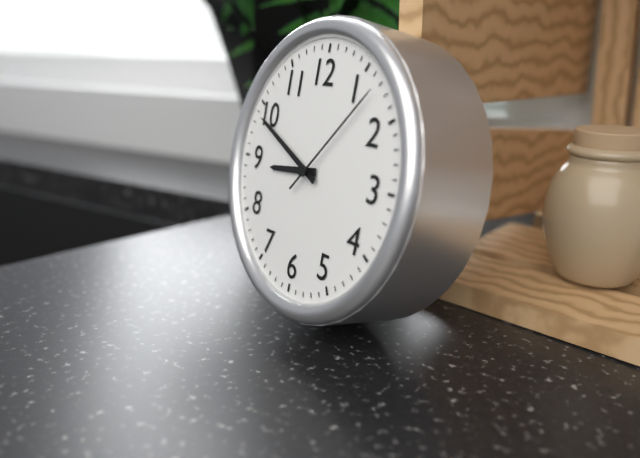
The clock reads h=8 m=49 s=7
